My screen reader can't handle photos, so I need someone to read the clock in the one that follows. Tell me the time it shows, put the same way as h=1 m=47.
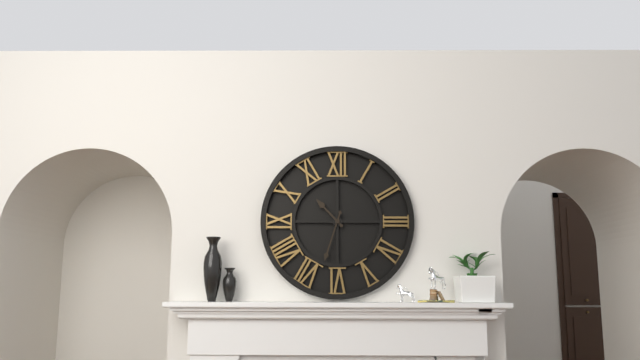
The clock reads h=10 m=33
